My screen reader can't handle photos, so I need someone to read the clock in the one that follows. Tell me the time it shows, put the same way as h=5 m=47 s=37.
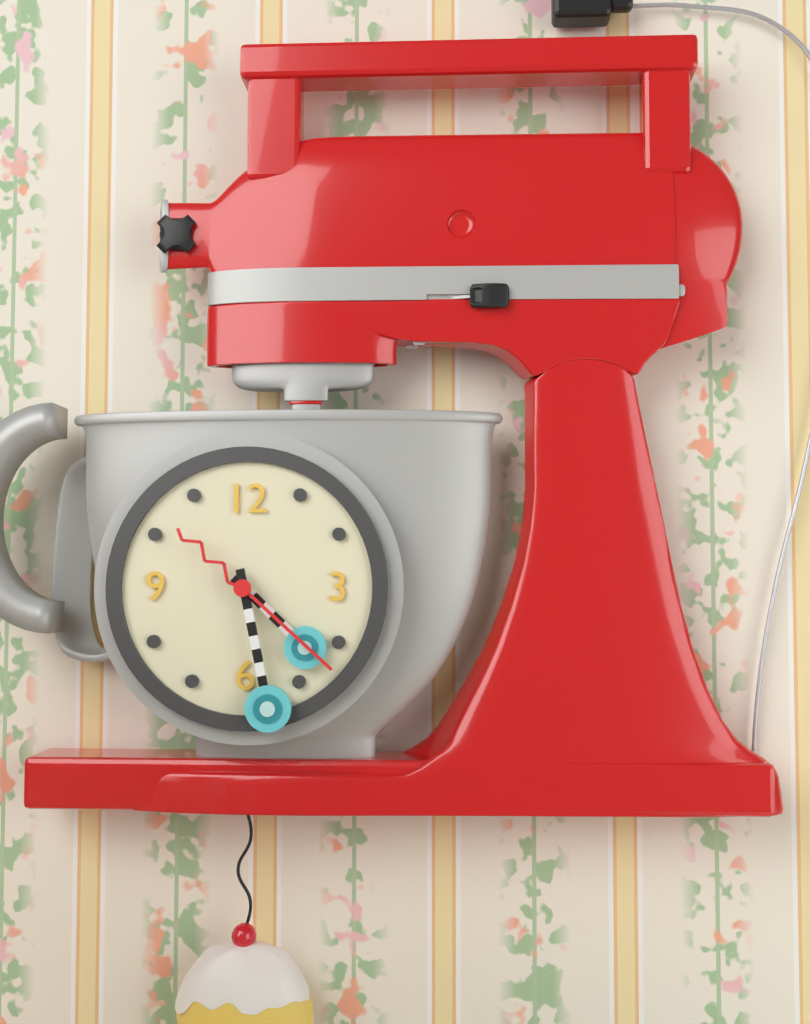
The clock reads h=4 m=28 s=22
